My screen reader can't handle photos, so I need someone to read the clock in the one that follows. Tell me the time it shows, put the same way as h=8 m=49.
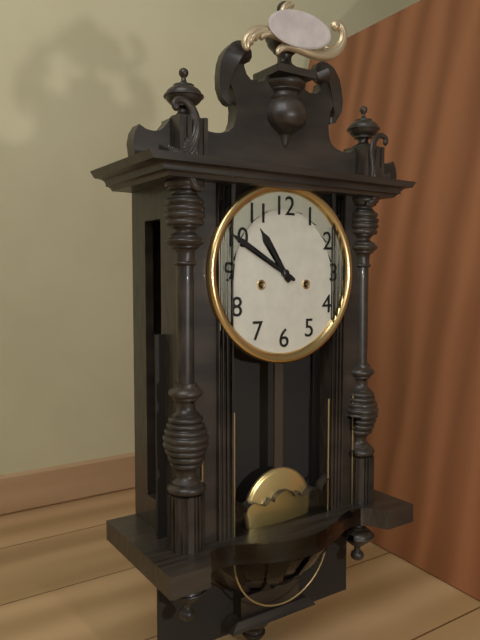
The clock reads h=10 m=50
